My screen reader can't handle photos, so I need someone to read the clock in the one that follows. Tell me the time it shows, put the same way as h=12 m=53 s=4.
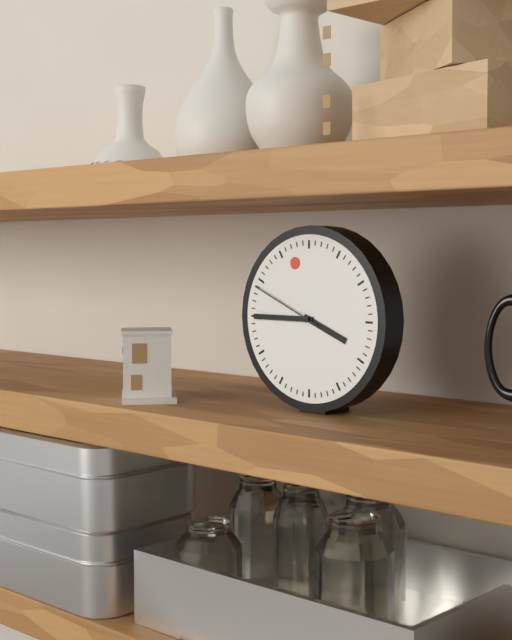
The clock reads h=3 m=45 s=49
